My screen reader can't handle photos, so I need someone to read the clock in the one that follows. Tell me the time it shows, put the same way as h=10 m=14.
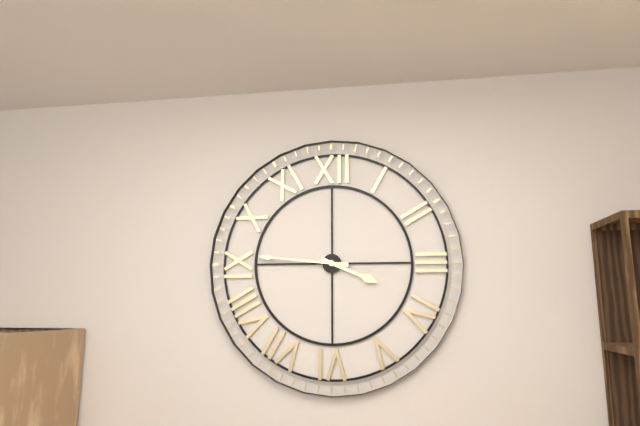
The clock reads h=3 m=46
